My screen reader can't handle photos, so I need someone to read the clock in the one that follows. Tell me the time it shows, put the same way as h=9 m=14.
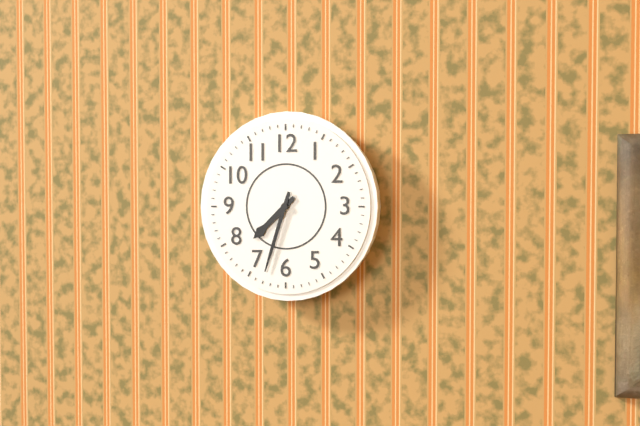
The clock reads h=7 m=33
